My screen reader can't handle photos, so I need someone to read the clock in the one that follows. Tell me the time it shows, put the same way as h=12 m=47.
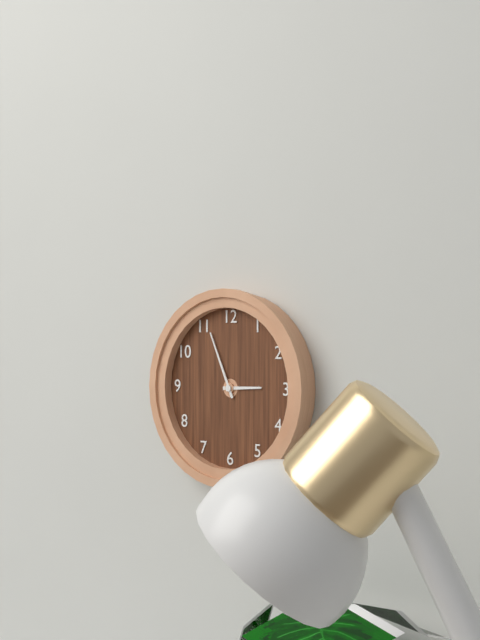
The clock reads h=2 m=56
